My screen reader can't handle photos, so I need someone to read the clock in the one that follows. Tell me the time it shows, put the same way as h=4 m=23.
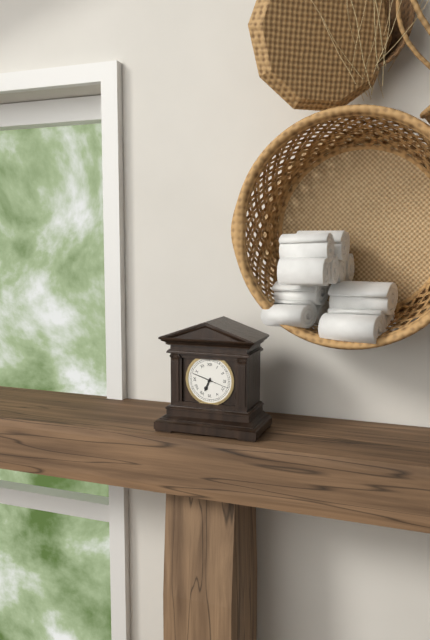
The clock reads h=6 m=48
